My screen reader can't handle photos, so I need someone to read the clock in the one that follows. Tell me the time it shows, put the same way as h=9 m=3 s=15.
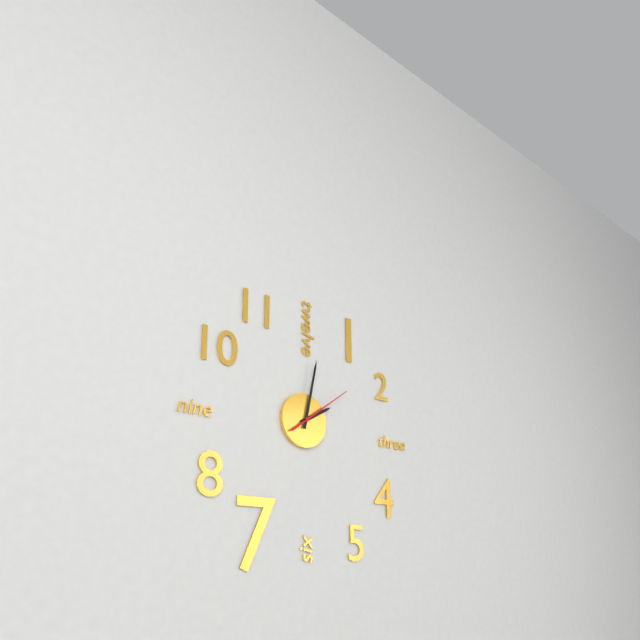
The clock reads h=2 m=2 s=9
